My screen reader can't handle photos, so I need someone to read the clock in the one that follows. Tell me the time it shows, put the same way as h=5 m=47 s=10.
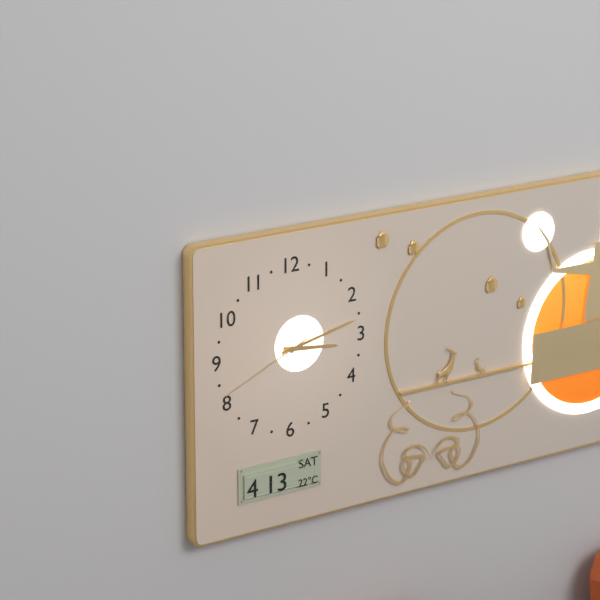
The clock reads h=3 m=13 s=41
